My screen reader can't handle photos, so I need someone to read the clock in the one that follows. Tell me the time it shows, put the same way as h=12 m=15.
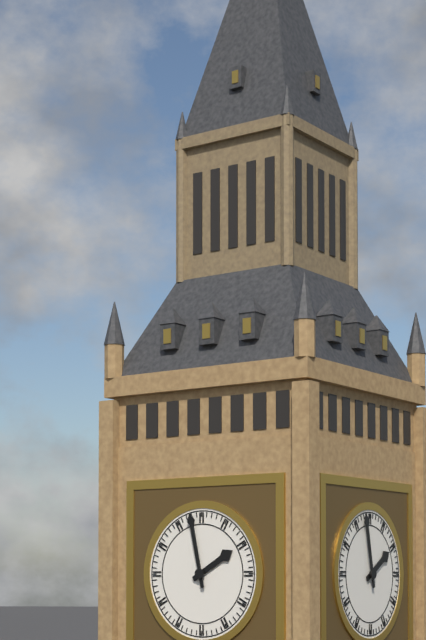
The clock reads h=1 m=58
